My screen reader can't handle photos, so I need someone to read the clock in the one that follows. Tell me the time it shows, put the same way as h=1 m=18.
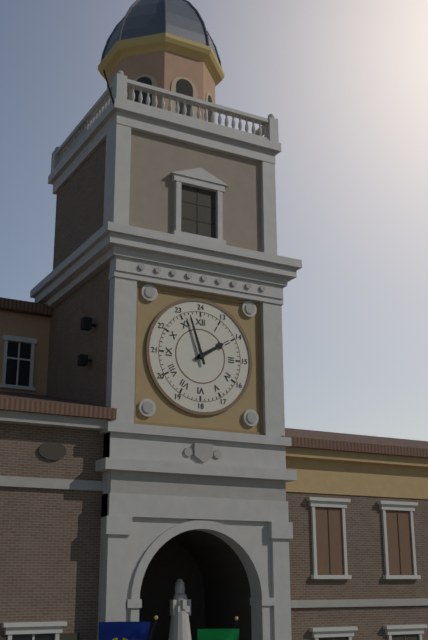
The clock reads h=1 m=57
